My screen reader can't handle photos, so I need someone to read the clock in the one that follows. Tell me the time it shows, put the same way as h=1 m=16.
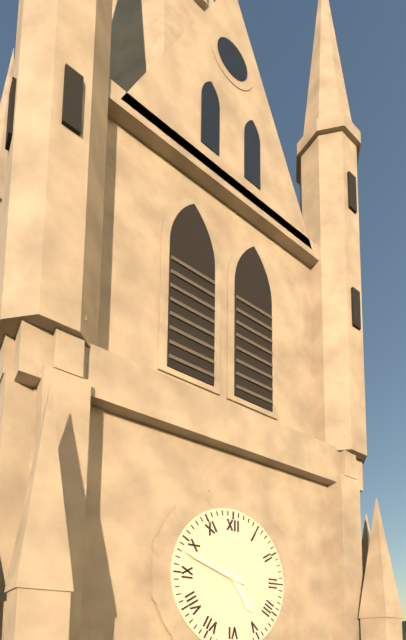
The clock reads h=4 m=48
